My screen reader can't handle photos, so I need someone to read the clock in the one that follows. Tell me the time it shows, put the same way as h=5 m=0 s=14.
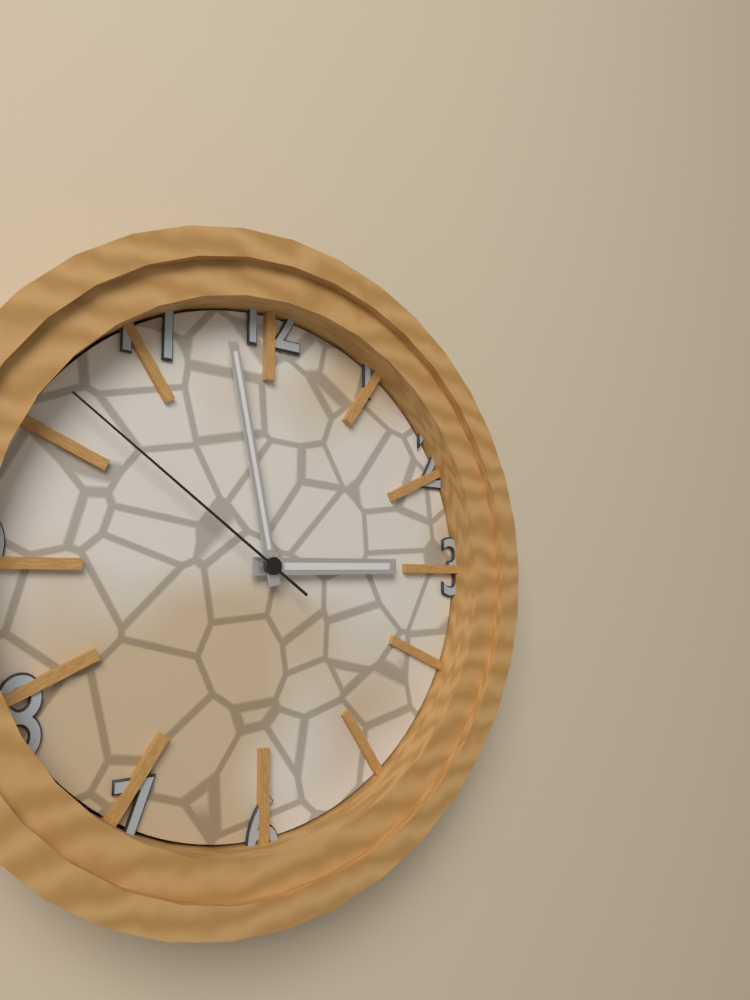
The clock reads h=2 m=58 s=51
